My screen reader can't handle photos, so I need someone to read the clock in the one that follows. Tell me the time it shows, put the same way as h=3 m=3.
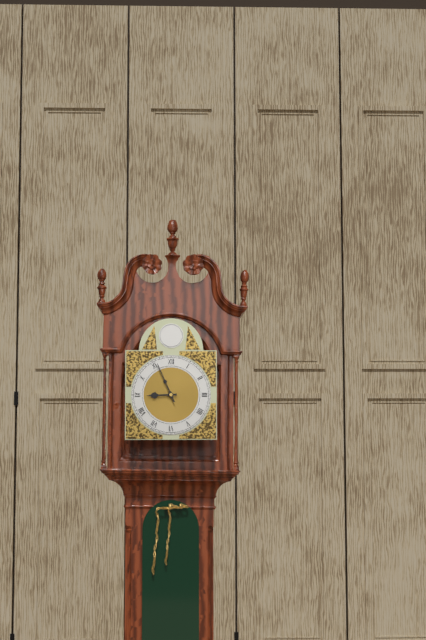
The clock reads h=8 m=56
